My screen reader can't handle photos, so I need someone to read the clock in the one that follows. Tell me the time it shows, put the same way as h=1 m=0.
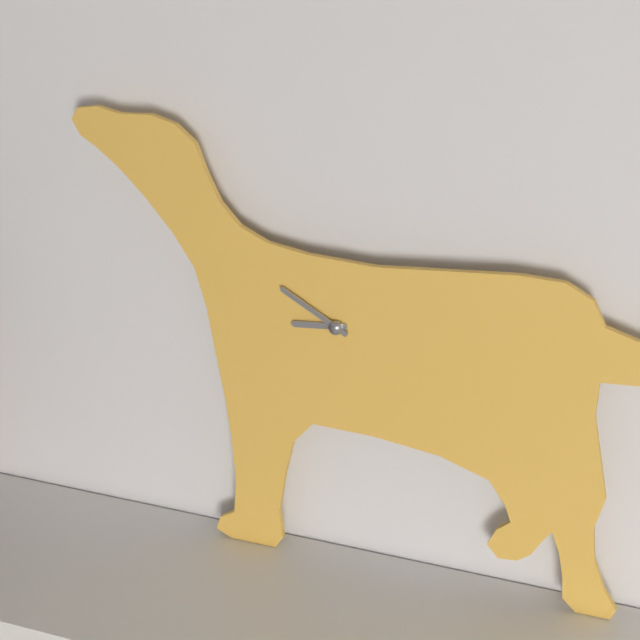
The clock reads h=8 m=50
